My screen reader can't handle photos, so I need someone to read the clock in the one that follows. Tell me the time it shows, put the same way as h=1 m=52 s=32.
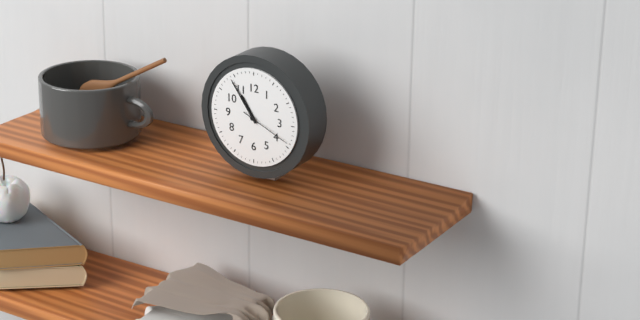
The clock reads h=10 m=54 s=19
